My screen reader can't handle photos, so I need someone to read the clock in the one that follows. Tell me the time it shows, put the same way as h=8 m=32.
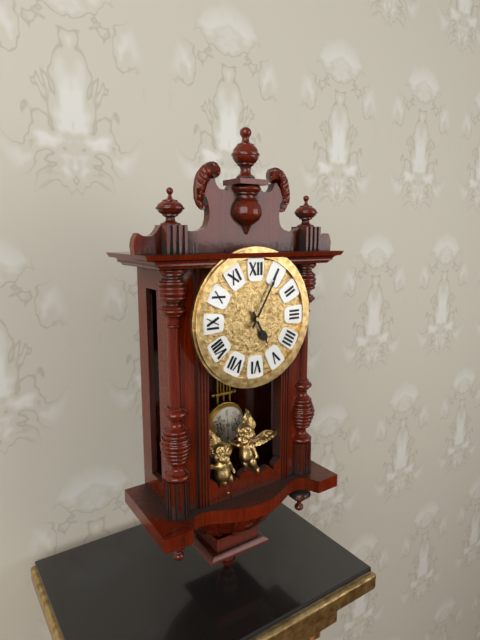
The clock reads h=5 m=5
